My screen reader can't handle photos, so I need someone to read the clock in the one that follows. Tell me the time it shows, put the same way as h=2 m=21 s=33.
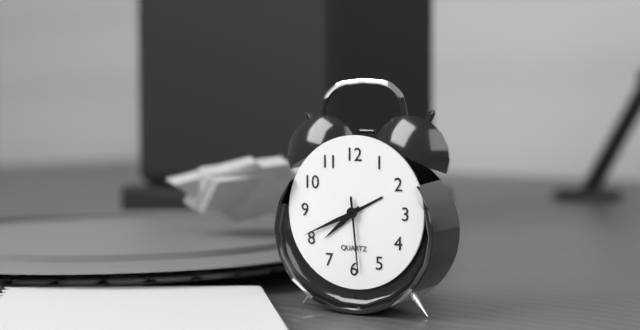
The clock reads h=7 m=41 s=29
